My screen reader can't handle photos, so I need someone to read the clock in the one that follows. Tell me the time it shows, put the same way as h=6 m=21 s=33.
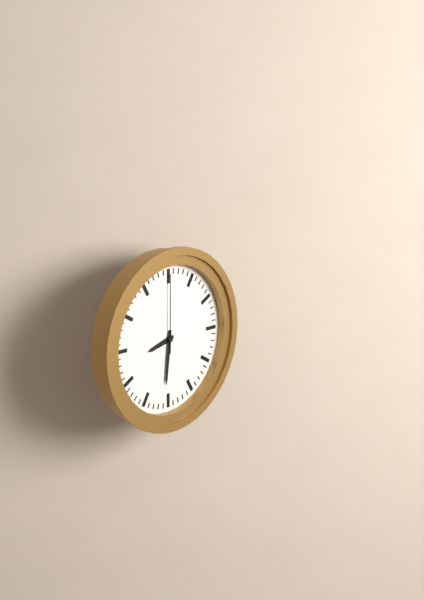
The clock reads h=8 m=31 s=0
